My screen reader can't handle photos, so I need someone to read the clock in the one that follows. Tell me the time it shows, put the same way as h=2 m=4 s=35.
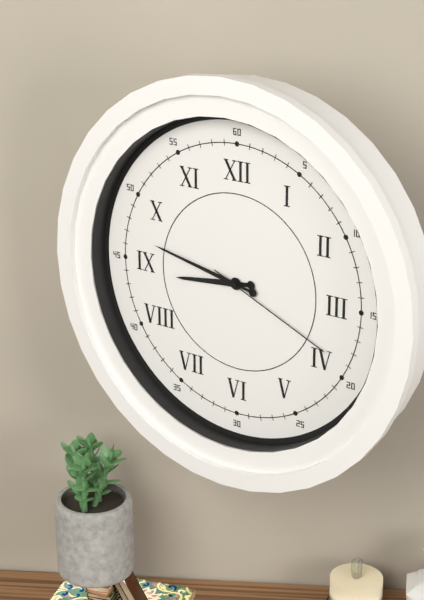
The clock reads h=8 m=47 s=19
